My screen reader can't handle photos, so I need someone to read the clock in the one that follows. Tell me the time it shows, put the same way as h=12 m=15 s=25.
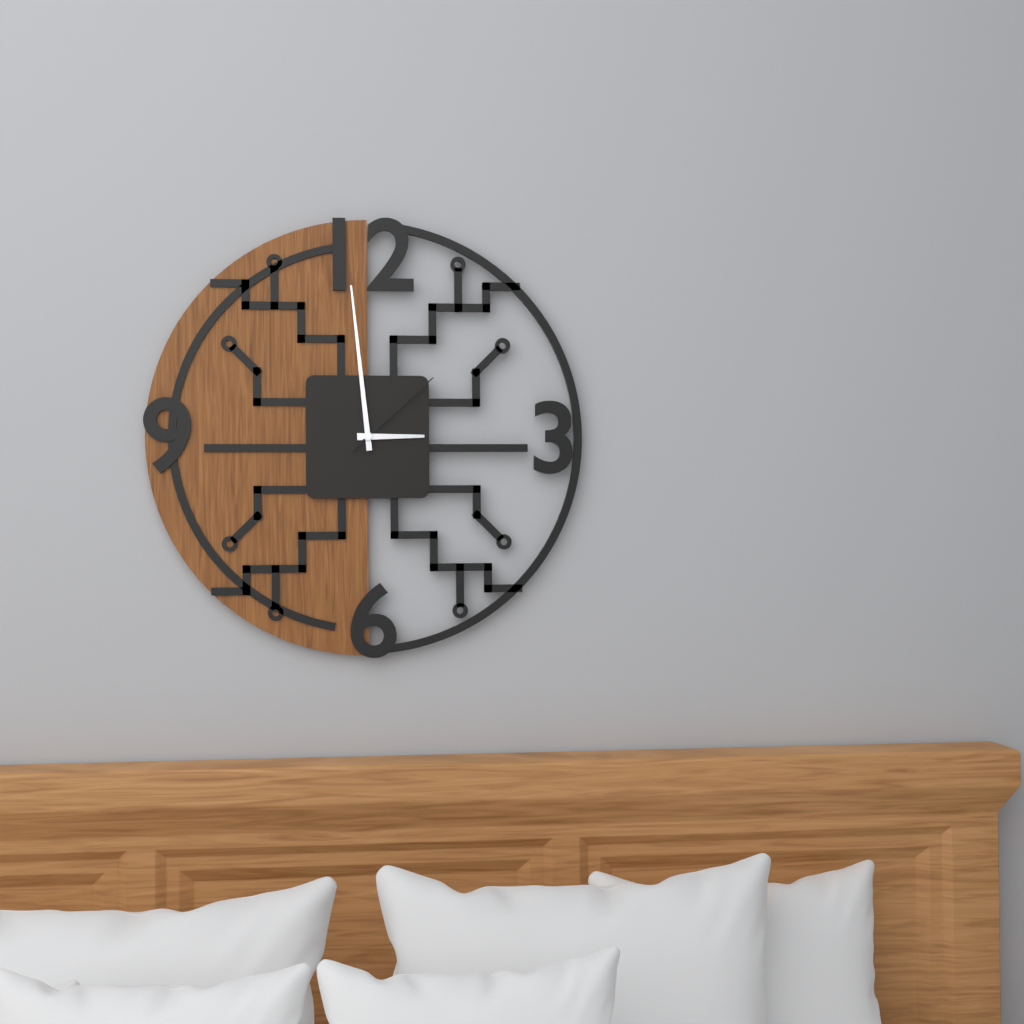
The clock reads h=2 m=59 s=8
